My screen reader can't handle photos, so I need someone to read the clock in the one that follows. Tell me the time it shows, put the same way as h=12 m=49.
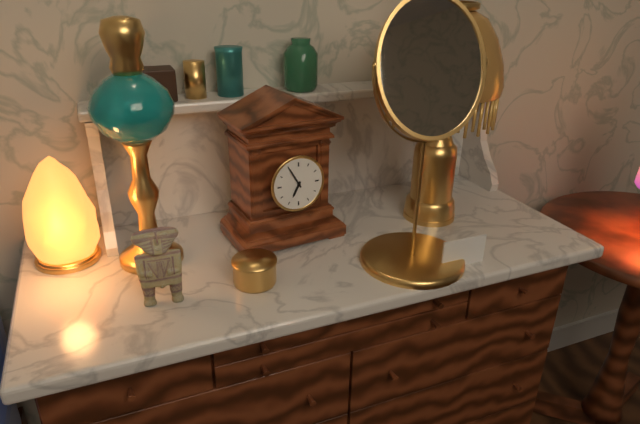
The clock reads h=6 m=55
